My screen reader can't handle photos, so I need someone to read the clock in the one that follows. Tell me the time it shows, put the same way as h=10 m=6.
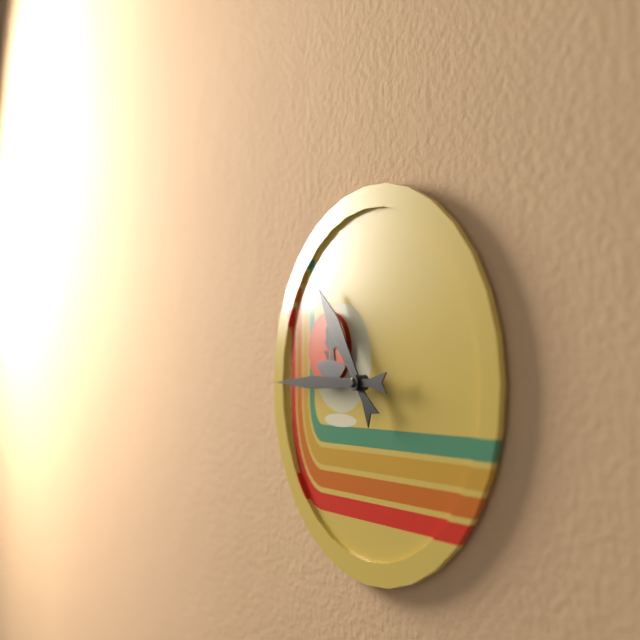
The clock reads h=10 m=45
